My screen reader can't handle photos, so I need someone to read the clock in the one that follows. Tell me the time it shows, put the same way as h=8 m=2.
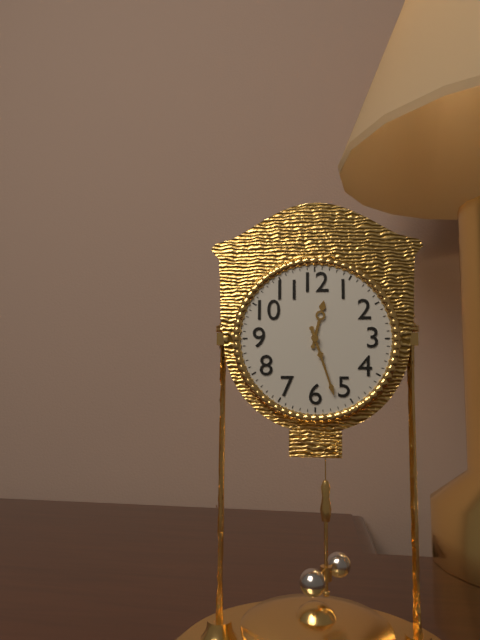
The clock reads h=12 m=27
